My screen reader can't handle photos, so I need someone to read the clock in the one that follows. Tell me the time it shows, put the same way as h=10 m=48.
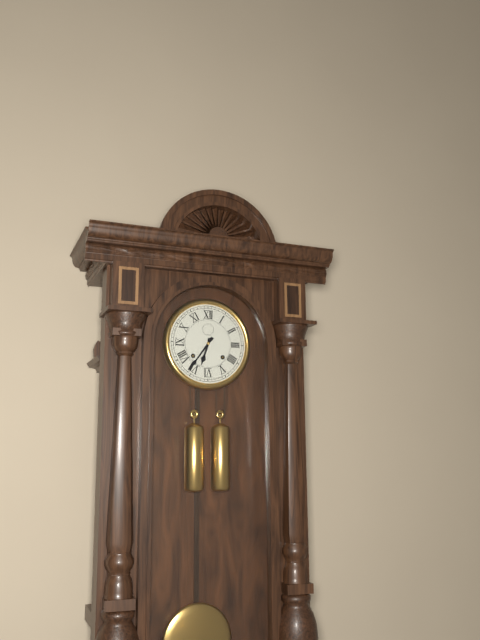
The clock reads h=6 m=36
